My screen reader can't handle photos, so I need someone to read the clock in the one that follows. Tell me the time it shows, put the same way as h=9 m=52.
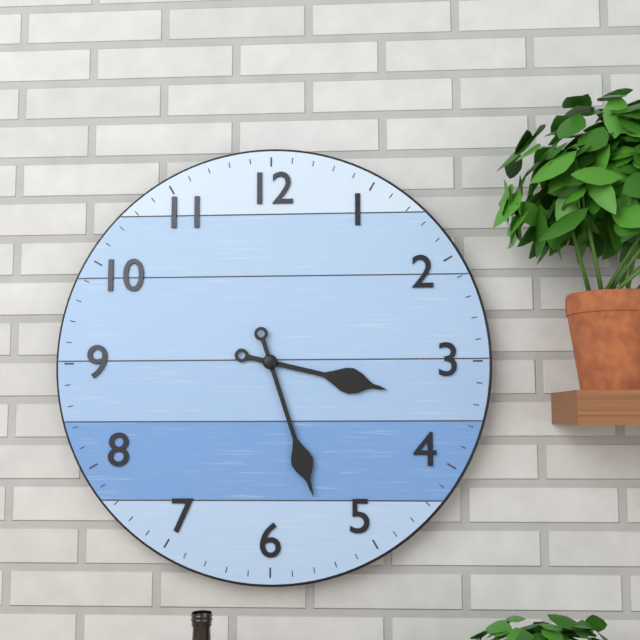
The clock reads h=3 m=27
